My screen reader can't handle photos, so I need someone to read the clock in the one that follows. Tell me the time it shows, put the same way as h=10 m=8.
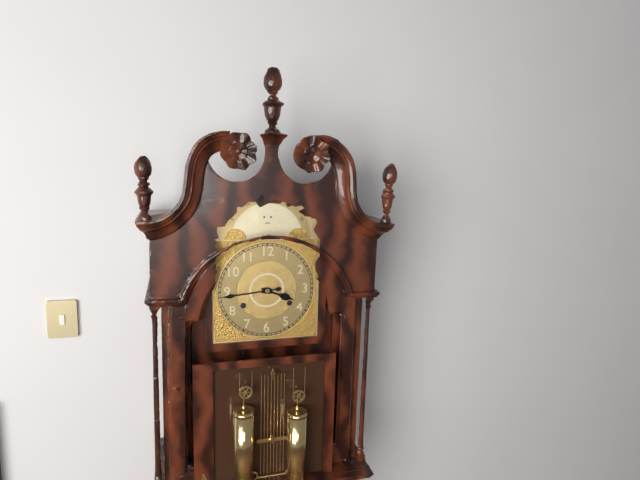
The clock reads h=3 m=44
